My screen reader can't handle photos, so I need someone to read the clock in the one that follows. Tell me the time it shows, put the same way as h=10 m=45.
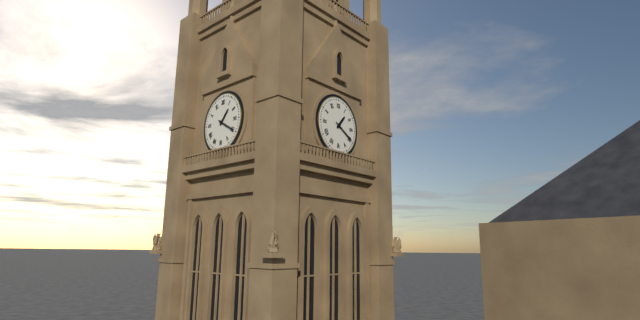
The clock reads h=1 m=20
